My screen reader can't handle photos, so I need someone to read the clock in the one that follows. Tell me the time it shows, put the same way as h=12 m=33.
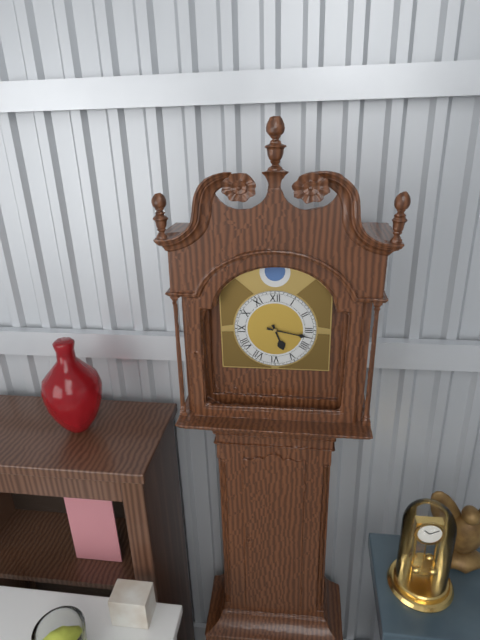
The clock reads h=5 m=17
